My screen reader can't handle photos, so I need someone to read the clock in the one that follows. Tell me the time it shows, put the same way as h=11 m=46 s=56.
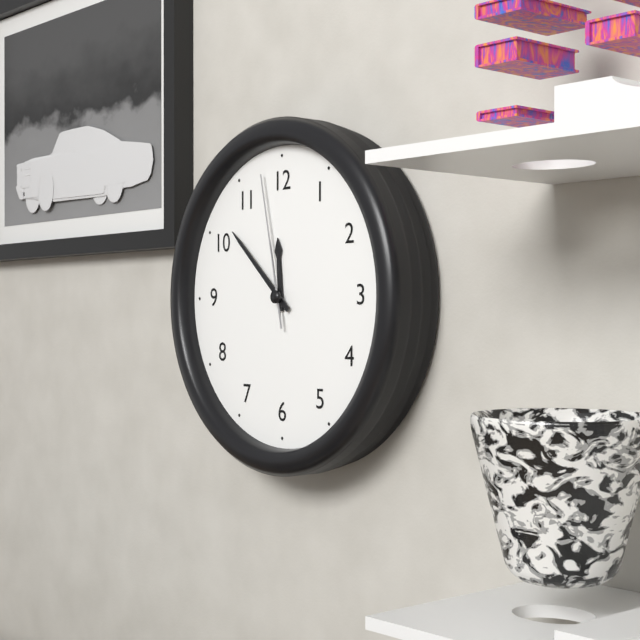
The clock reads h=11 m=52 s=58
